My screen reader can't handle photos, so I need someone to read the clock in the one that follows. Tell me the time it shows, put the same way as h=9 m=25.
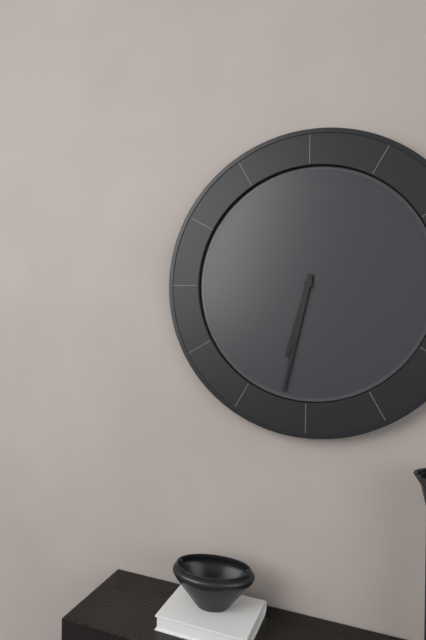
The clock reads h=6 m=32
